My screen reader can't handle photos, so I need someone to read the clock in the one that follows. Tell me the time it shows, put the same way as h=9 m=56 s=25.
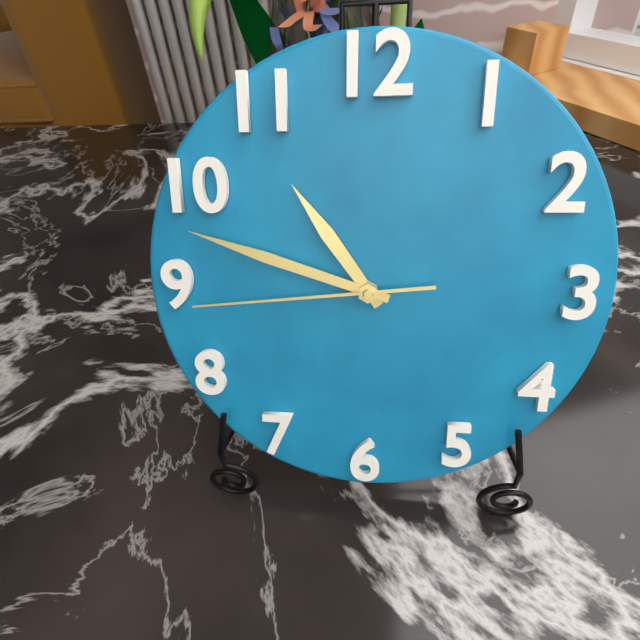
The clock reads h=10 m=48 s=44
